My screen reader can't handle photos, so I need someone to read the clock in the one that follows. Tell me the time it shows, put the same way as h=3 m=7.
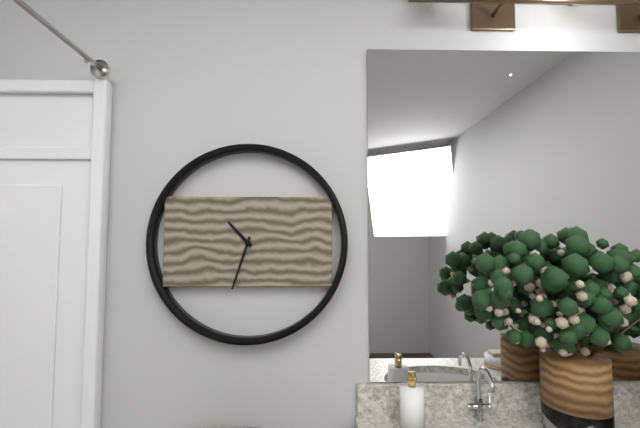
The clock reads h=10 m=33
